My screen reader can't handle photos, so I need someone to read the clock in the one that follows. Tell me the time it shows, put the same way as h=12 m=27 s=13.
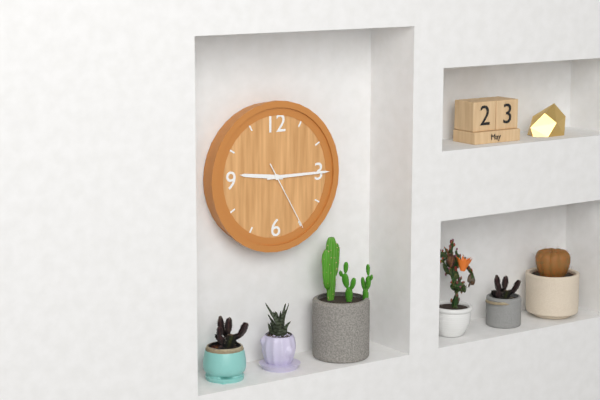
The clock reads h=9 m=15 s=25
